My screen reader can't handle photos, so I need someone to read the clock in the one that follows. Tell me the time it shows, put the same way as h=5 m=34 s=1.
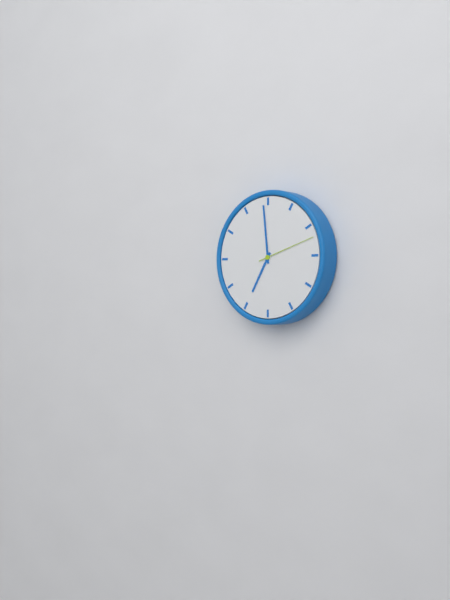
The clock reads h=6 m=59 s=12
